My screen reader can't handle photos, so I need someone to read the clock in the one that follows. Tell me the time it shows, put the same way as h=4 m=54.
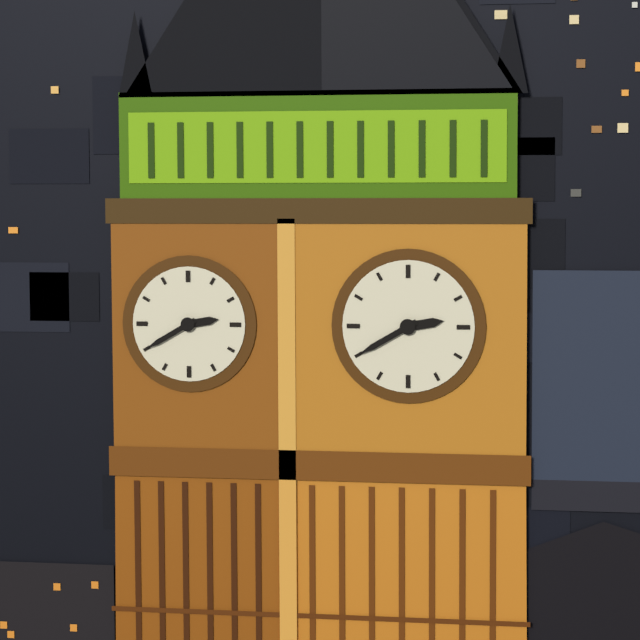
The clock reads h=2 m=40
